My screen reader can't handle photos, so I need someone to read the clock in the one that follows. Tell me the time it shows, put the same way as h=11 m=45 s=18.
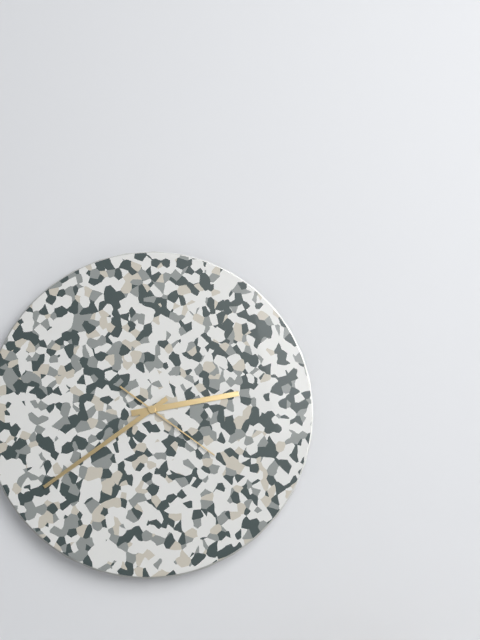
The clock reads h=2 m=39 s=21
